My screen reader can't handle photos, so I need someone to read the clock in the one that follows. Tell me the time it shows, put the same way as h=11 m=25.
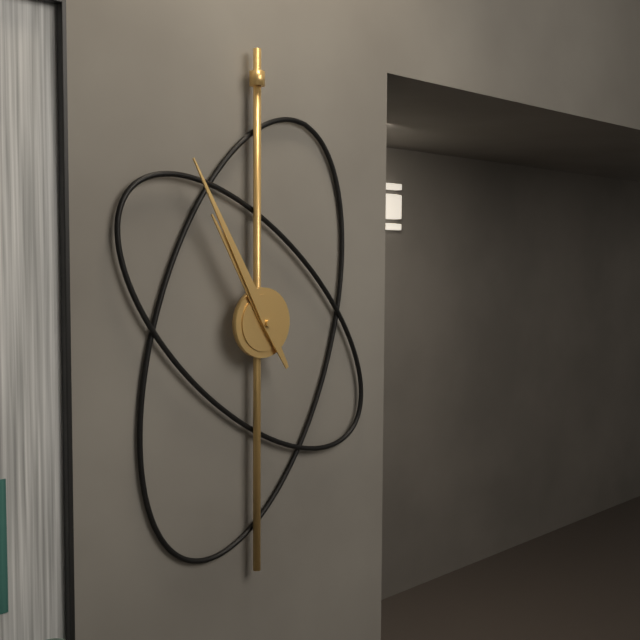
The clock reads h=10 m=55
